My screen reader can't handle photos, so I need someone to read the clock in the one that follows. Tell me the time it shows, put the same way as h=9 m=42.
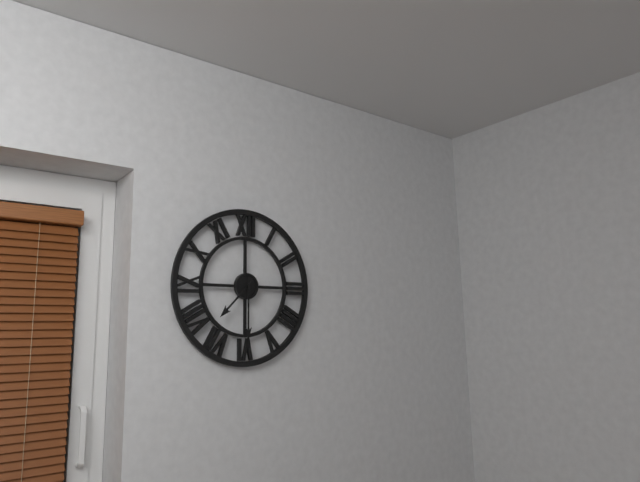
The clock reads h=7 m=30
